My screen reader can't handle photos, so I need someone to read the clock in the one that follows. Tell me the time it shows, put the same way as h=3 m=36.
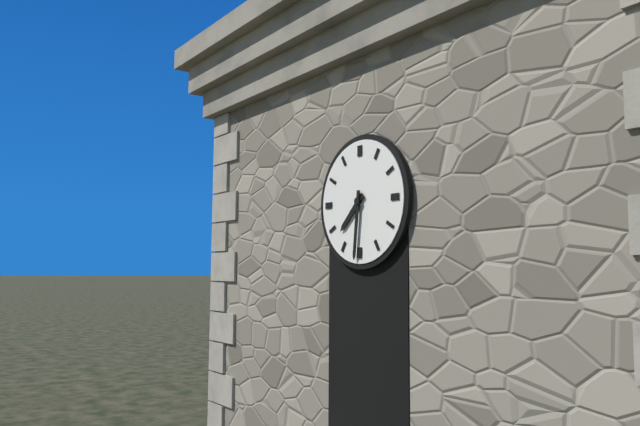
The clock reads h=7 m=31
